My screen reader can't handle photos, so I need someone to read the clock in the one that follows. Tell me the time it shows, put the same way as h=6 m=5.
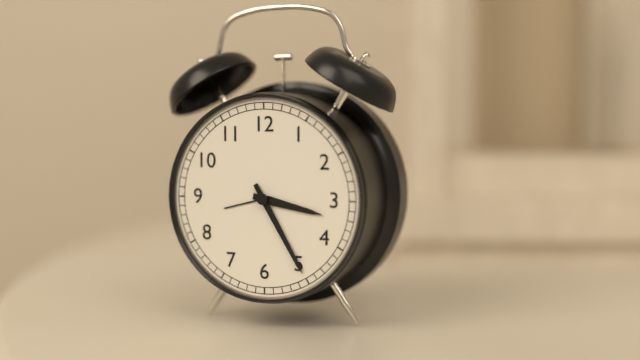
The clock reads h=3 m=25
